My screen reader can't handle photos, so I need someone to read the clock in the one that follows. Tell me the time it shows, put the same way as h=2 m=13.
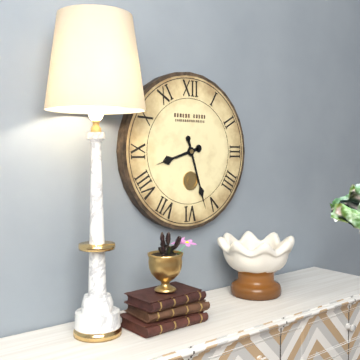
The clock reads h=8 m=27
